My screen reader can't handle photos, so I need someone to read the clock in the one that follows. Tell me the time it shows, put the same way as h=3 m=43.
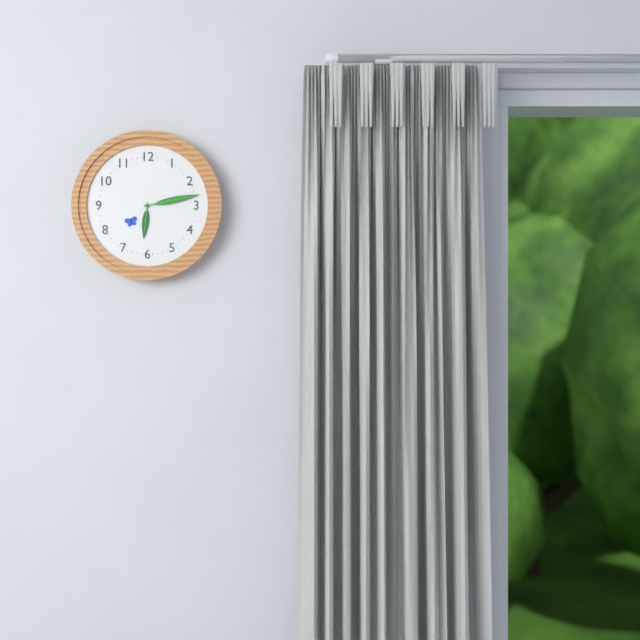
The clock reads h=6 m=13
